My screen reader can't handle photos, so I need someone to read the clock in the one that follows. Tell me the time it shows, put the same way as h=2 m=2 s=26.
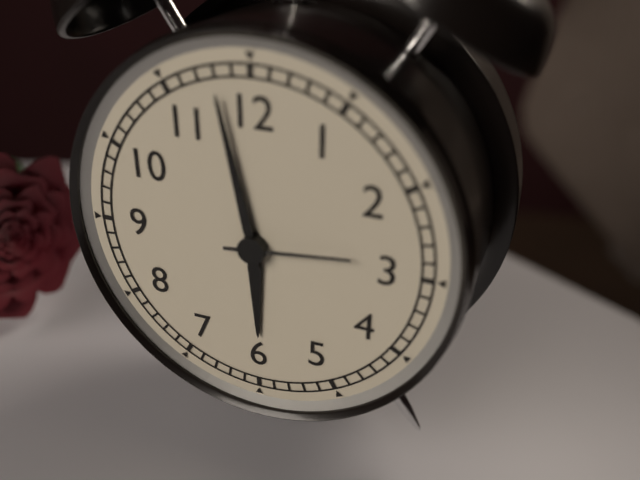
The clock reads h=5 m=58 s=14
